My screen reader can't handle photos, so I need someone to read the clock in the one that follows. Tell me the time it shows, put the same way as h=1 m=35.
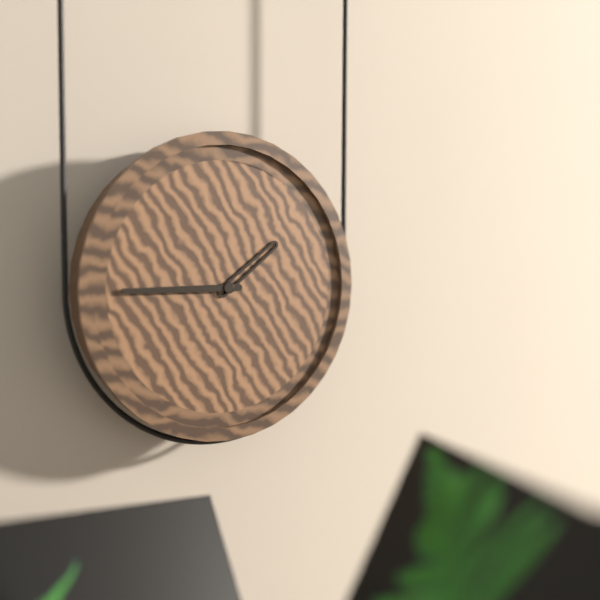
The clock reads h=1 m=45
